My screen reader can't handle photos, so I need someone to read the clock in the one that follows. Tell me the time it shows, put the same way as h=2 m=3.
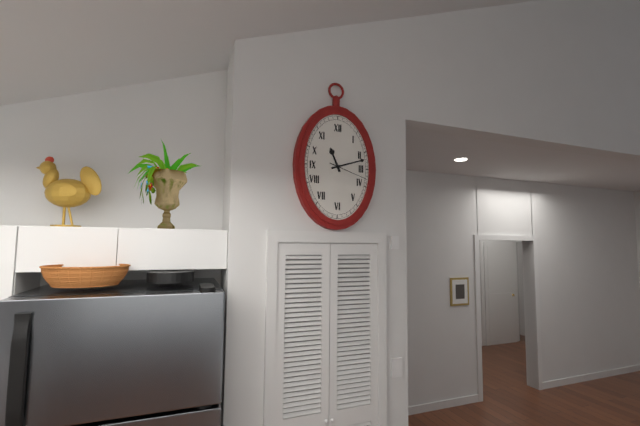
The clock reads h=11 m=12
